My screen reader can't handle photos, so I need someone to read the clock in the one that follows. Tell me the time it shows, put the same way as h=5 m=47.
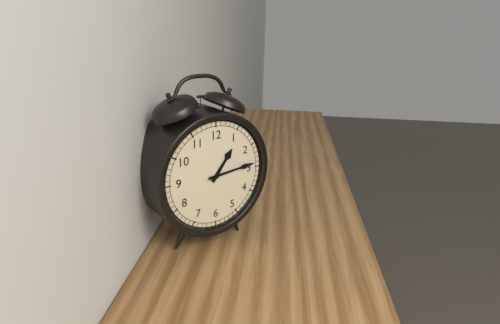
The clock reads h=1 m=14
